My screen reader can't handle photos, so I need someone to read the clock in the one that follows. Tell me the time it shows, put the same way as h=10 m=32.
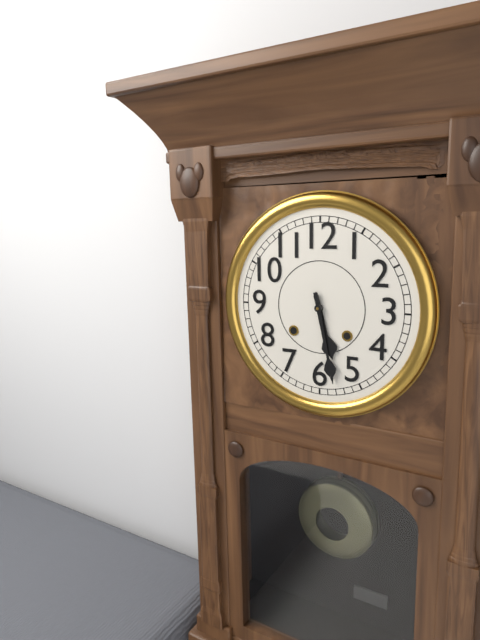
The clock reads h=5 m=28
